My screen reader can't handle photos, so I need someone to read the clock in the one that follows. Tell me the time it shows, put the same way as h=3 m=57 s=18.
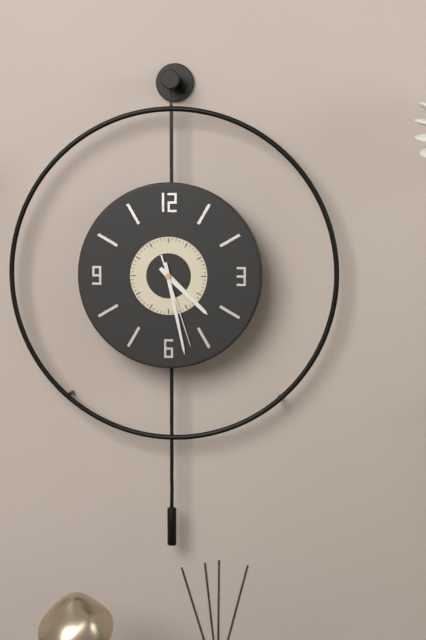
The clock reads h=4 m=28 s=27
